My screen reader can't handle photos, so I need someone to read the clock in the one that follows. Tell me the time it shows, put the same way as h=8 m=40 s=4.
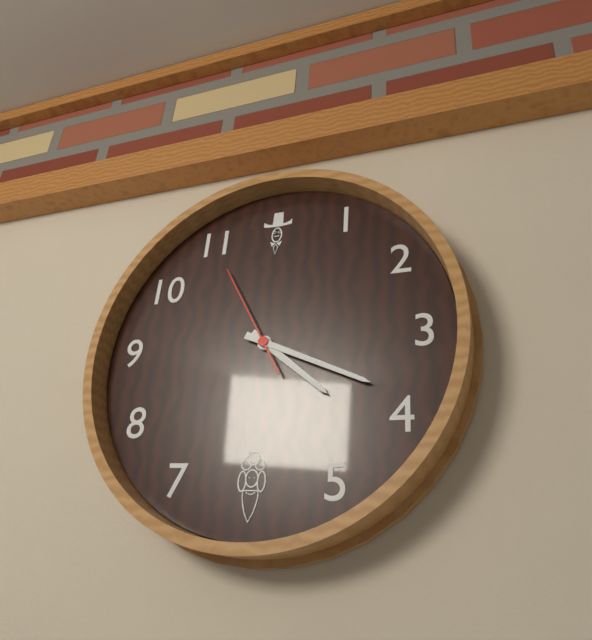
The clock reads h=4 m=19 s=55
